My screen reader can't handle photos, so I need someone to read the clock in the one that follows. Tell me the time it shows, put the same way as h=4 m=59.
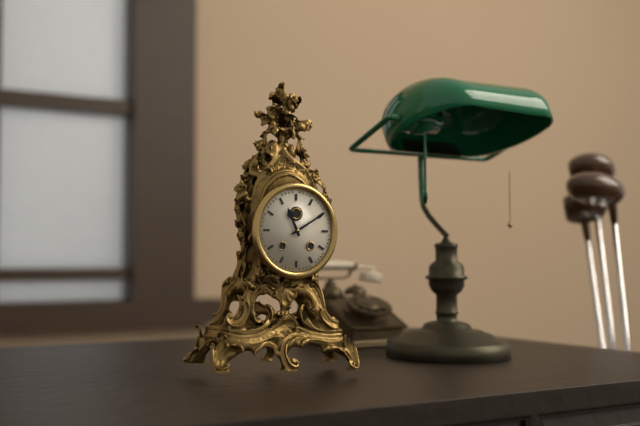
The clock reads h=11 m=10
